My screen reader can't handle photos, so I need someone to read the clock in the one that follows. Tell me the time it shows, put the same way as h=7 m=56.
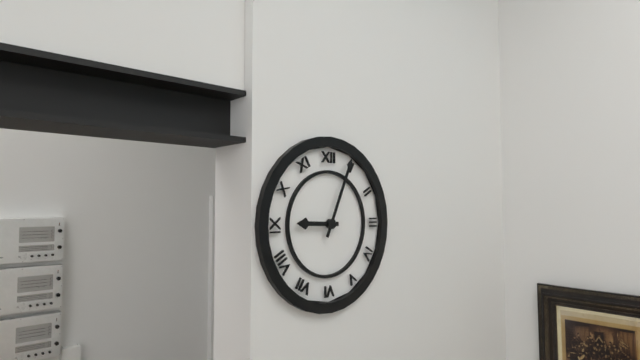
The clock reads h=9 m=4
